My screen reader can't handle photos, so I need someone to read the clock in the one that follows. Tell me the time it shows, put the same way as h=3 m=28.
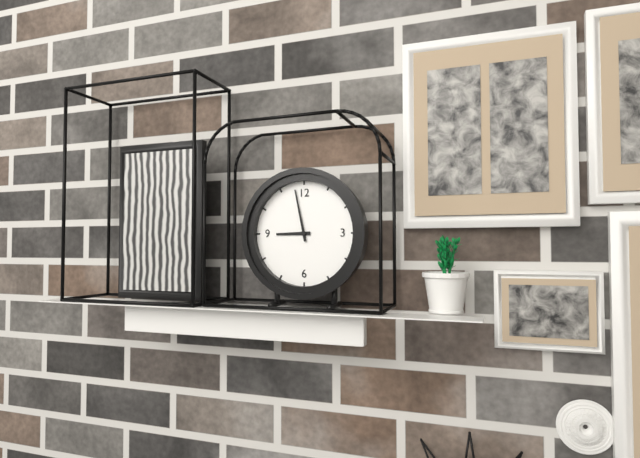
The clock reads h=8 m=58
